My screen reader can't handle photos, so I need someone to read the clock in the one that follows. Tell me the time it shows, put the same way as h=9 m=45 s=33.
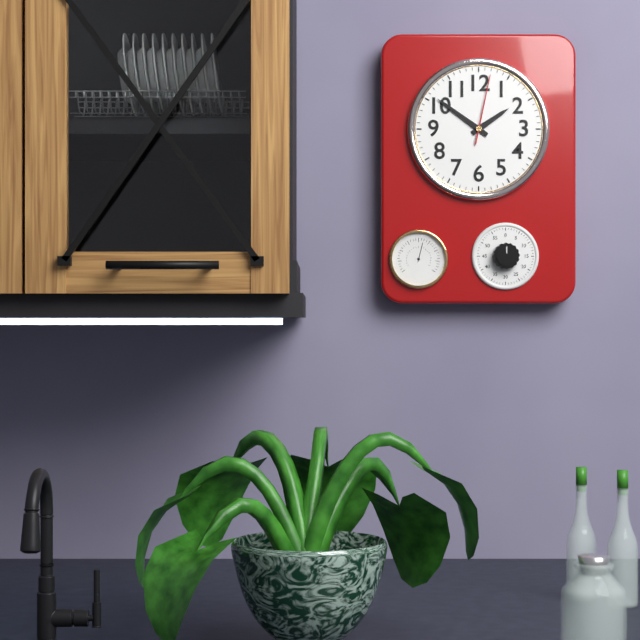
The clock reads h=1 m=51 s=2
